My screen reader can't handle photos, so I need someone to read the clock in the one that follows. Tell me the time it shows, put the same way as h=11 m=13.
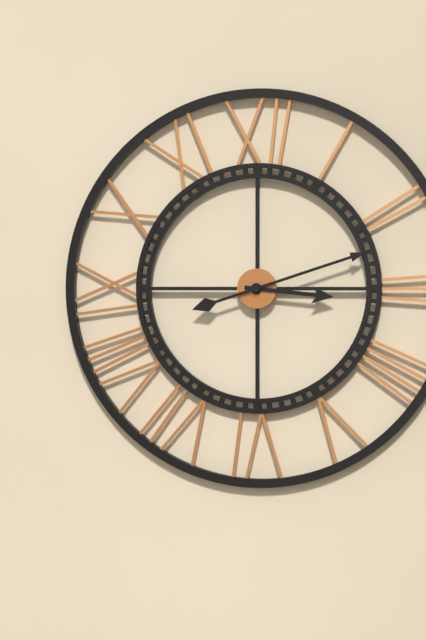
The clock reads h=3 m=12
